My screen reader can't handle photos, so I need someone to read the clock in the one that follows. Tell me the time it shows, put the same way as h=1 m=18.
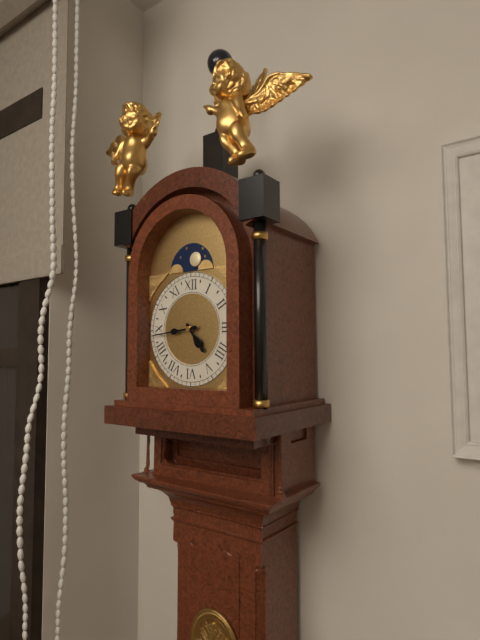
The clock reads h=4 m=44
